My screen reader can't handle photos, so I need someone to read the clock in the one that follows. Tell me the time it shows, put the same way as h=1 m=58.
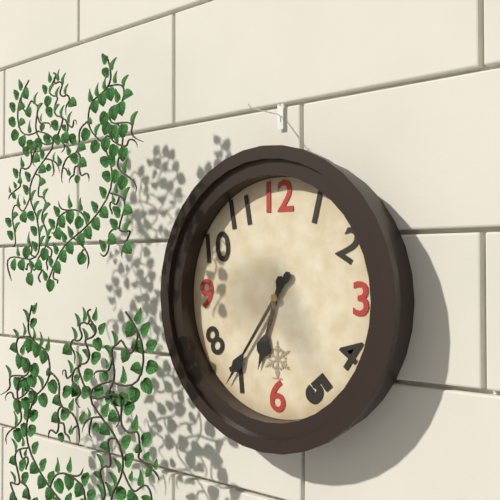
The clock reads h=6 m=36
